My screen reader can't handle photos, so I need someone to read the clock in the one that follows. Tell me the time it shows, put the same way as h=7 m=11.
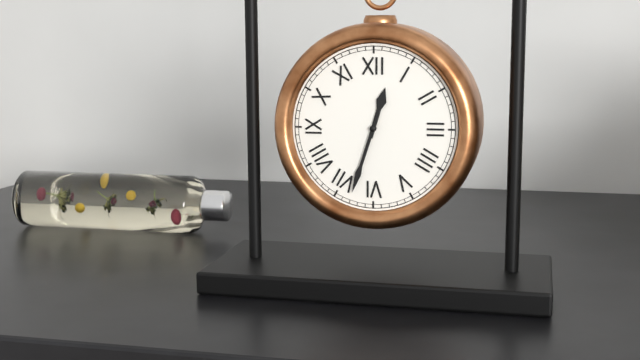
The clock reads h=12 m=33
